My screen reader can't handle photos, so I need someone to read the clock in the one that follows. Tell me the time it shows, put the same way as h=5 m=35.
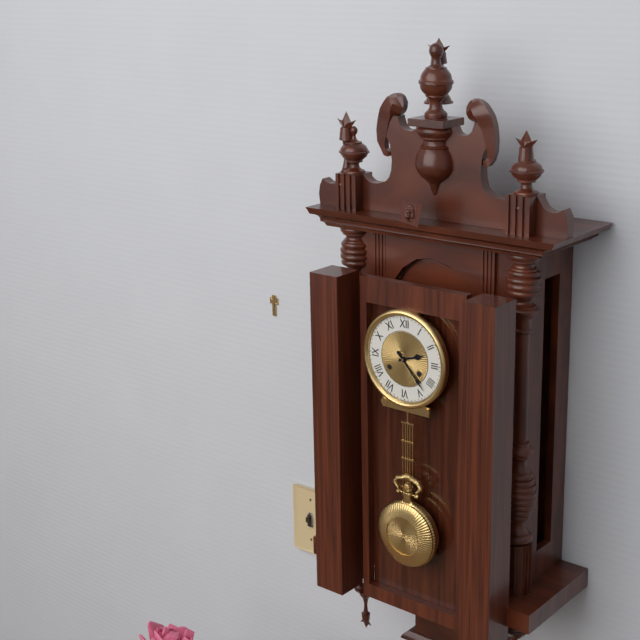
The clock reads h=2 m=23
